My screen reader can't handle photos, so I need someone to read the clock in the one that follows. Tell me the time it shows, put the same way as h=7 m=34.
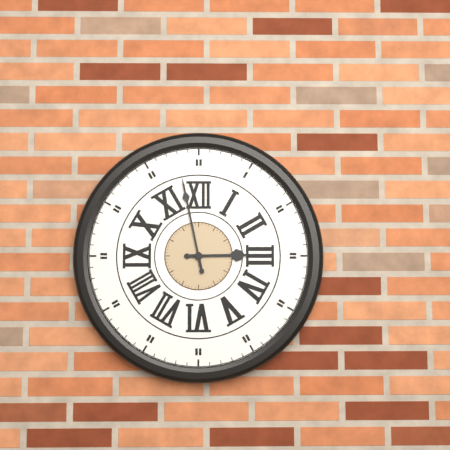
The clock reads h=2 m=58
